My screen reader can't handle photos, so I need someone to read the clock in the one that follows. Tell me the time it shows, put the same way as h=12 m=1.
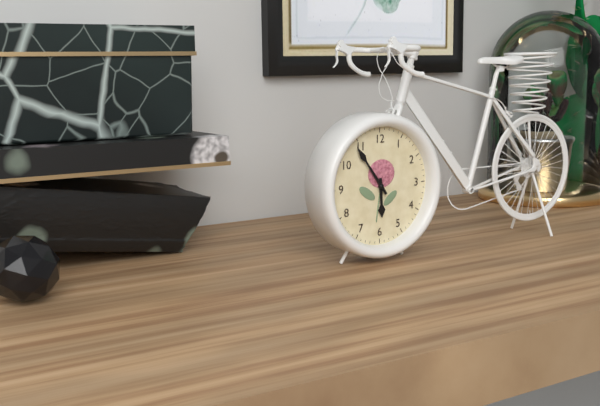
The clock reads h=5 m=54
